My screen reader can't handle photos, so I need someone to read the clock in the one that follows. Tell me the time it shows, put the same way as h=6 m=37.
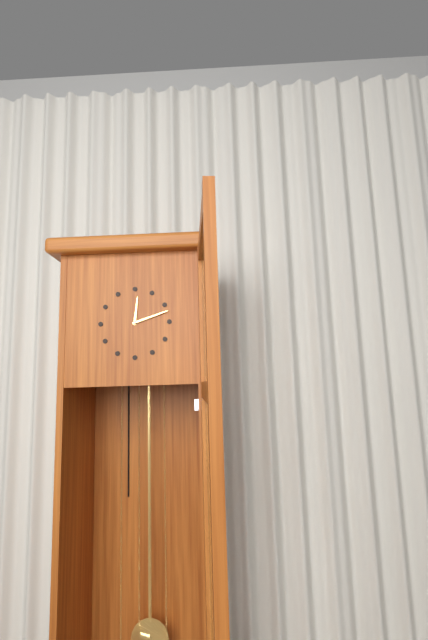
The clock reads h=12 m=12
